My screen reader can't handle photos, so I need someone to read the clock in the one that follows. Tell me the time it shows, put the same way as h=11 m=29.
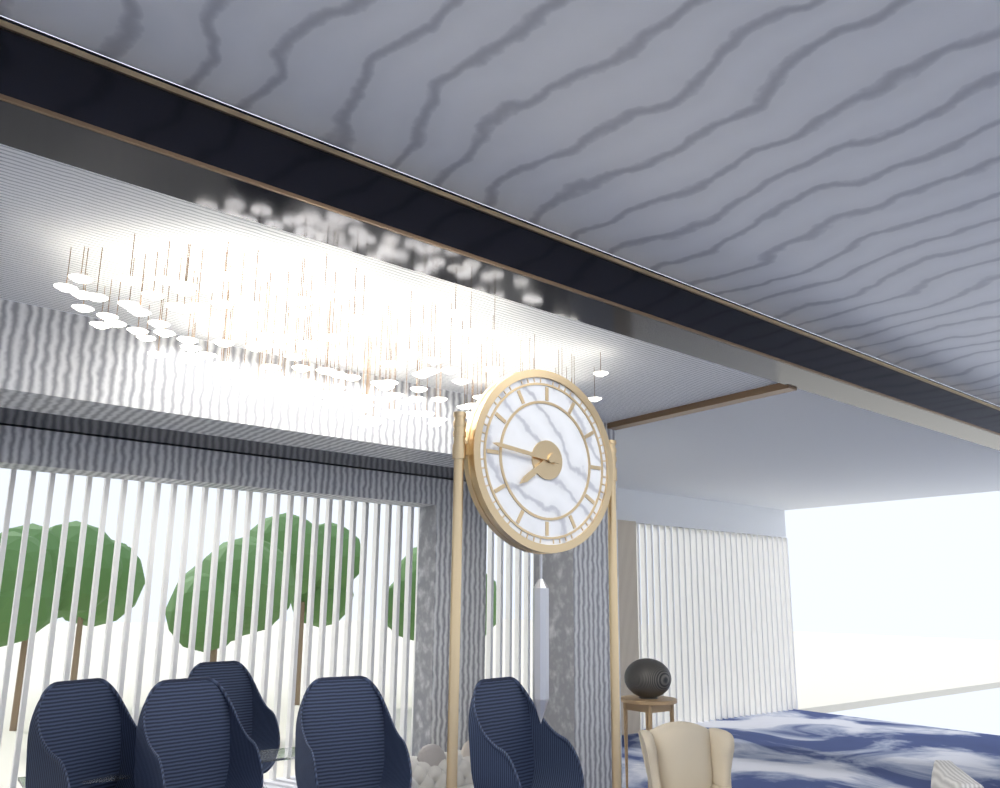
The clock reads h=7 m=46
